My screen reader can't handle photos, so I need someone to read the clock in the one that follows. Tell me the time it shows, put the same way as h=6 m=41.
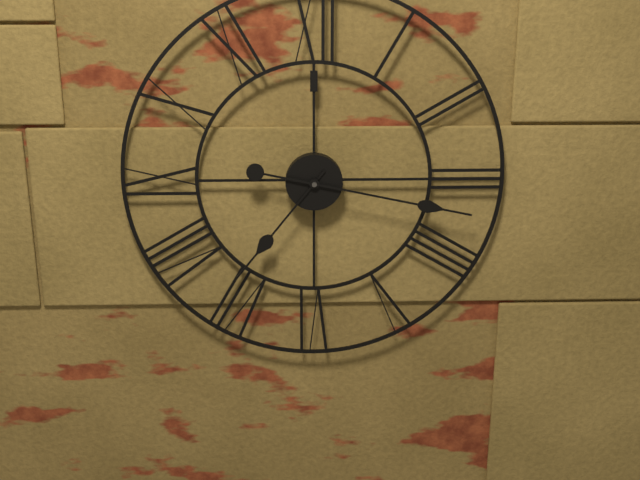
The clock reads h=7 m=17
